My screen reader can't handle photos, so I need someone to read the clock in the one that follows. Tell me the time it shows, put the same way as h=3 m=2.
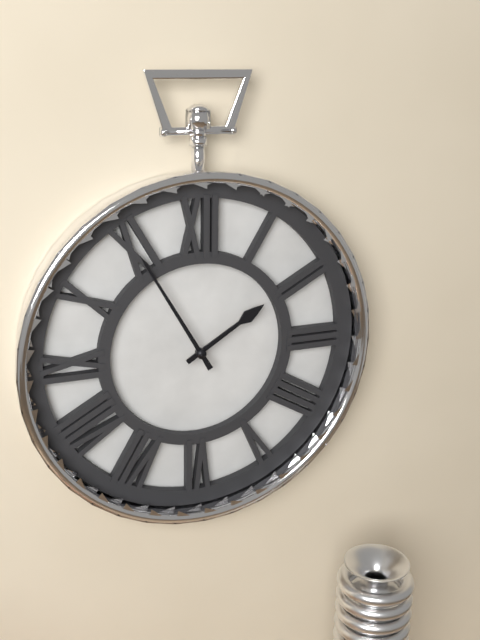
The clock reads h=1 m=55
